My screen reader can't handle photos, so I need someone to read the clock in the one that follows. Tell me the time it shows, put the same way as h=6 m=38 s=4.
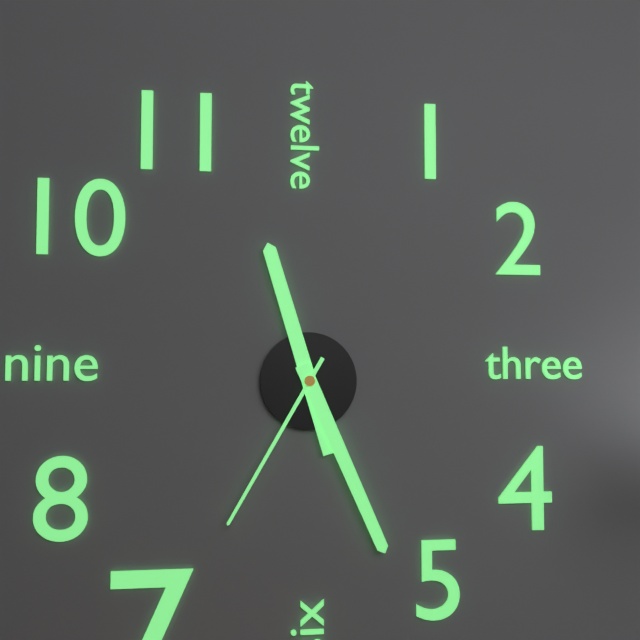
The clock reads h=11 m=26 s=35
